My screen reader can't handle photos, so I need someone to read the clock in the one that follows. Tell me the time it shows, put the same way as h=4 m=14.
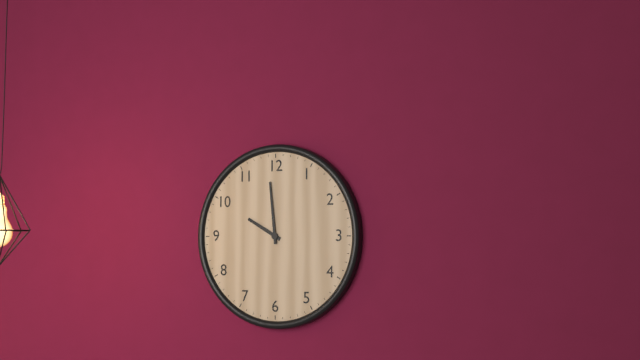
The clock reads h=9 m=59
